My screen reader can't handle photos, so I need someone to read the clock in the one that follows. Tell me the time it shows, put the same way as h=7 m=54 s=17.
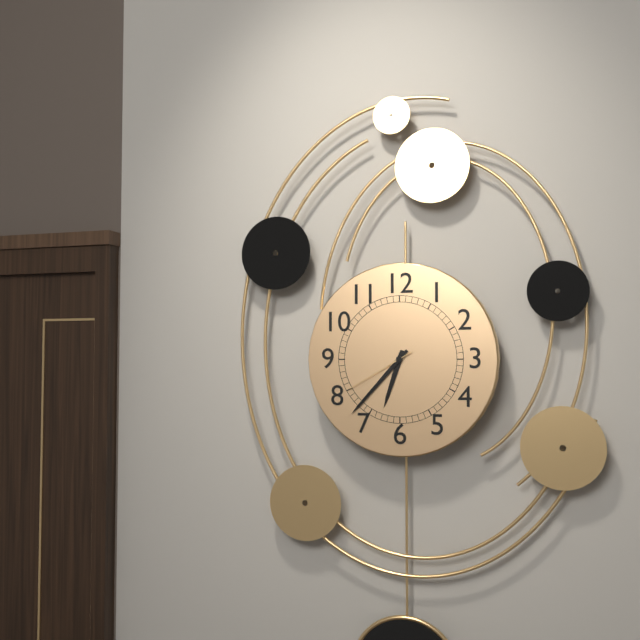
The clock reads h=6 m=37 s=40
